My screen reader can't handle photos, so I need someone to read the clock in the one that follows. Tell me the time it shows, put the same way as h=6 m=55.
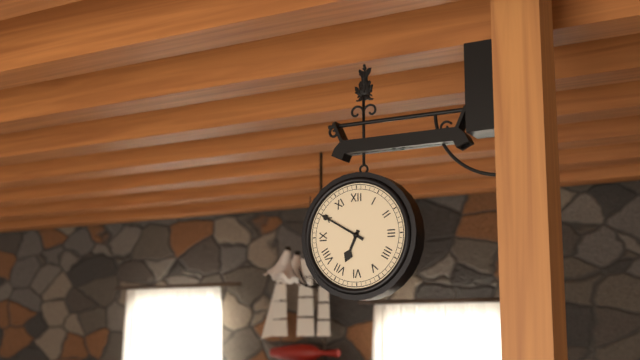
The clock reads h=6 m=50
